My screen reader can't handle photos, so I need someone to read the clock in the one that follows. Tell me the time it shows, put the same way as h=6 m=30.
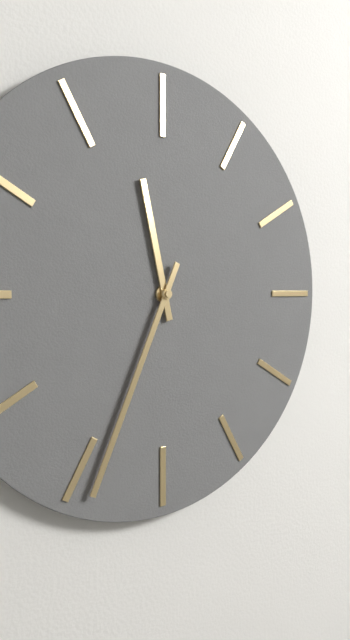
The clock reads h=11 m=34
